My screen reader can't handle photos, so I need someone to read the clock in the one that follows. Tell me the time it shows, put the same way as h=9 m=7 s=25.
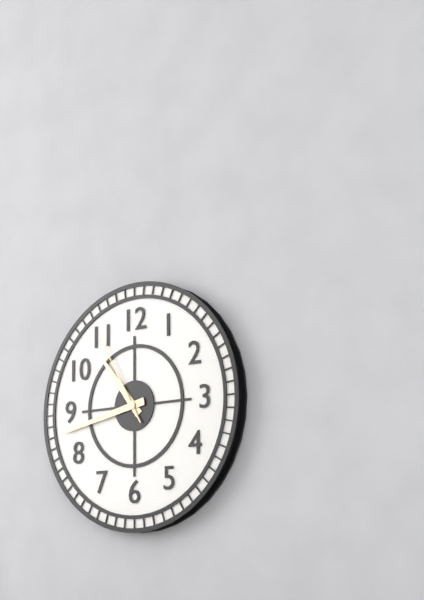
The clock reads h=10 m=43 s=55
